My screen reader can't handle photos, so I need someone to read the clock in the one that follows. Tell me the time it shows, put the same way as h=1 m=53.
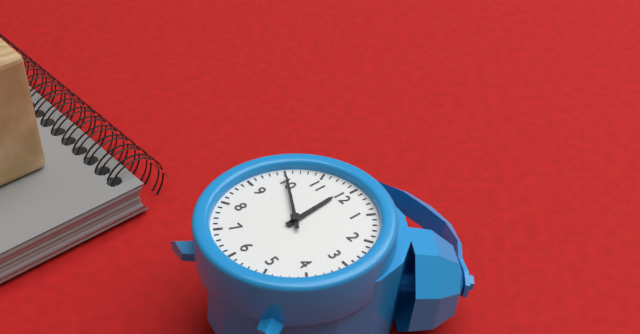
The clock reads h=11 m=50
